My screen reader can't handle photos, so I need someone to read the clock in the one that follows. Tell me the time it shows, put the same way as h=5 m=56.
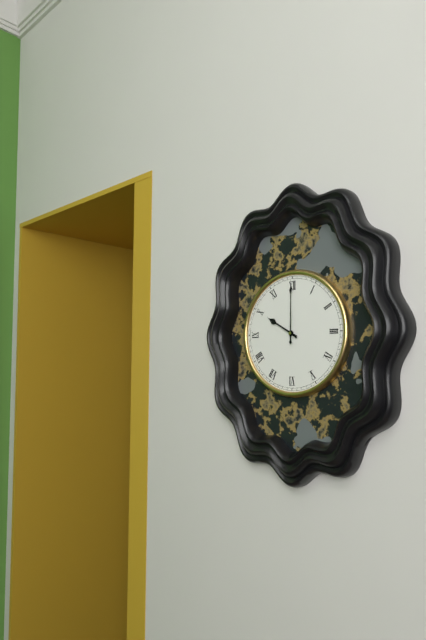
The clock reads h=10 m=0
